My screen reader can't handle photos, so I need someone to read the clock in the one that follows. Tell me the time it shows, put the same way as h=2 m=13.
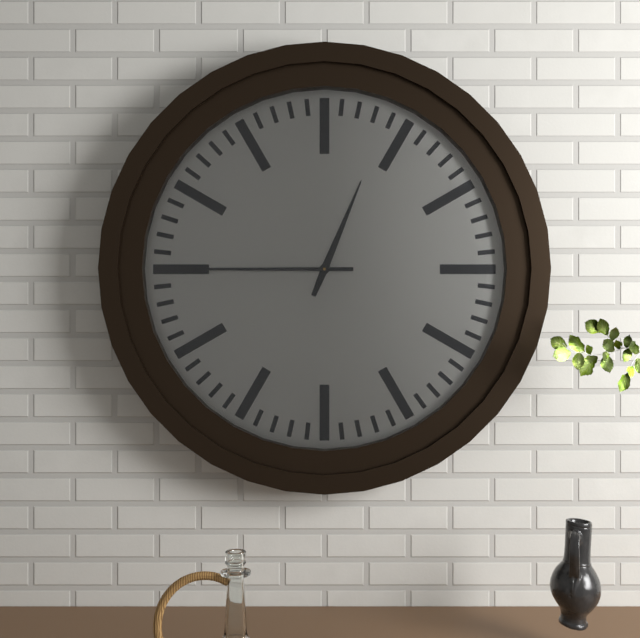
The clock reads h=12 m=45
